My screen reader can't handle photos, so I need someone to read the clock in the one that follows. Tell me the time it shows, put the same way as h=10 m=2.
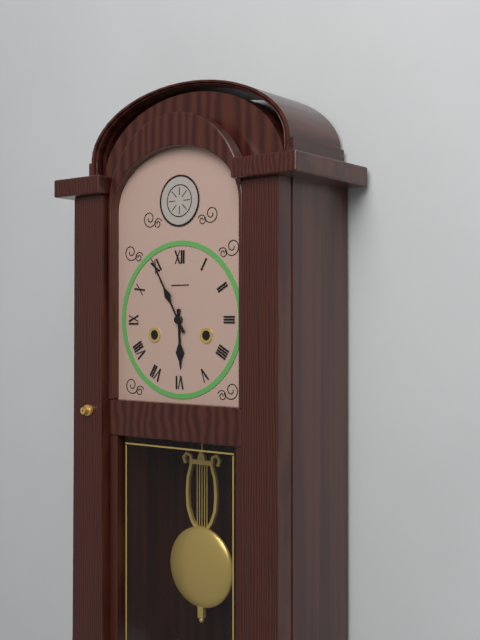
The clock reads h=5 m=55
